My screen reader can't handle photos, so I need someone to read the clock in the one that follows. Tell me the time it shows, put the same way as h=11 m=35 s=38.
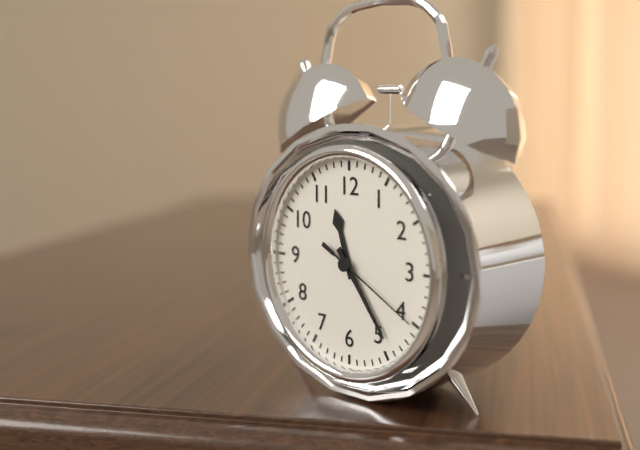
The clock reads h=11 m=24 s=20
